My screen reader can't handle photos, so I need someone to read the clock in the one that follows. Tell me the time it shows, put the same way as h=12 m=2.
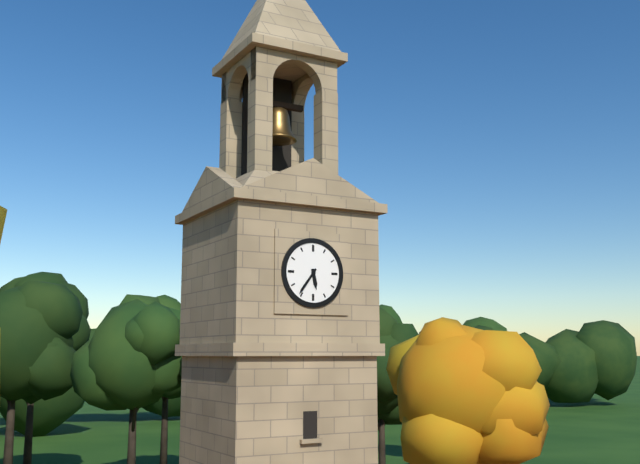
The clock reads h=5 m=36
